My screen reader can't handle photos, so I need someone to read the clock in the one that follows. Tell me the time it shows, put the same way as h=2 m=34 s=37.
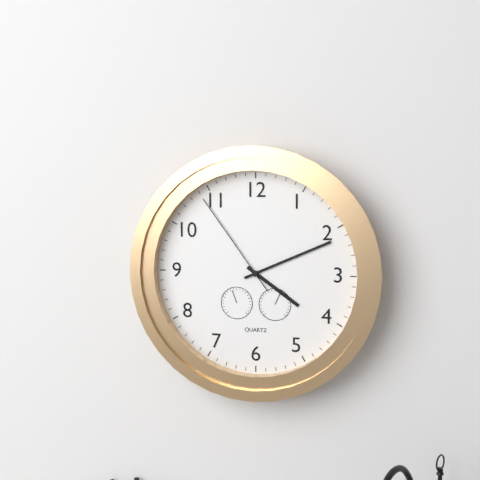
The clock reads h=4 m=11 s=54
